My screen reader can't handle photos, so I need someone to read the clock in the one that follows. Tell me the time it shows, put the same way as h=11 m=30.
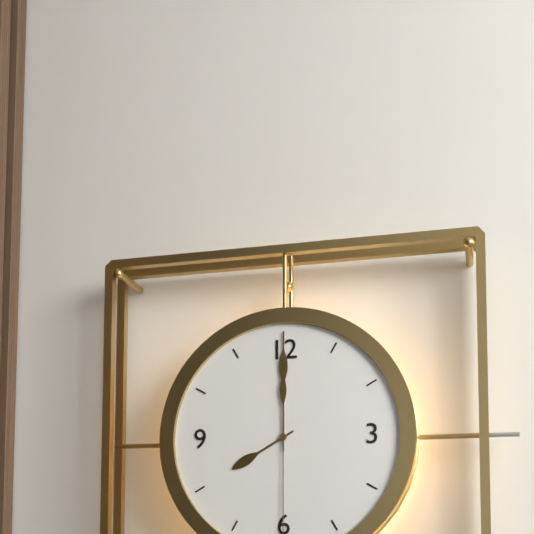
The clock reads h=8 m=0
